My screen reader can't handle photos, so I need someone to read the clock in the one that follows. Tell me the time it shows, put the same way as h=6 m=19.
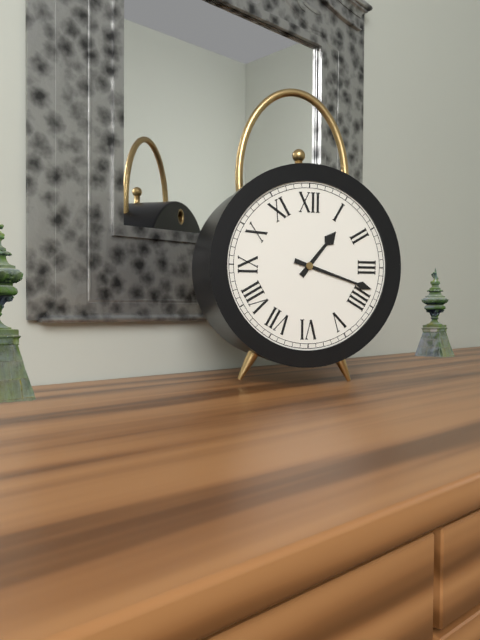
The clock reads h=1 m=18
